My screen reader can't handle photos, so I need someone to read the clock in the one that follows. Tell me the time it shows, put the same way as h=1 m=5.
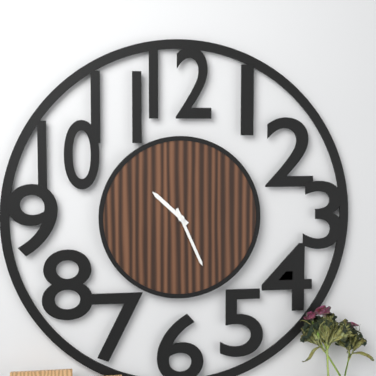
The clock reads h=10 m=26
